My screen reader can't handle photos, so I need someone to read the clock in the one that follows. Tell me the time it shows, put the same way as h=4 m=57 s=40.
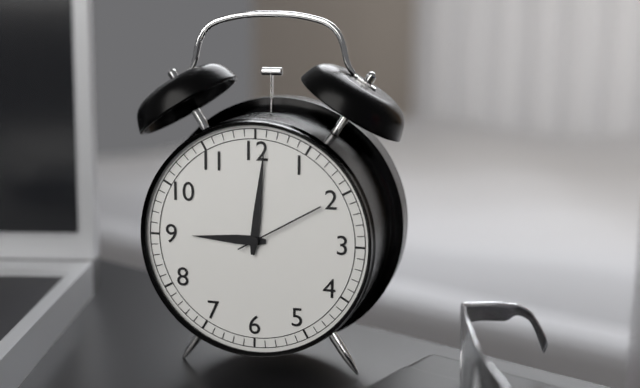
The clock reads h=9 m=1 s=10
